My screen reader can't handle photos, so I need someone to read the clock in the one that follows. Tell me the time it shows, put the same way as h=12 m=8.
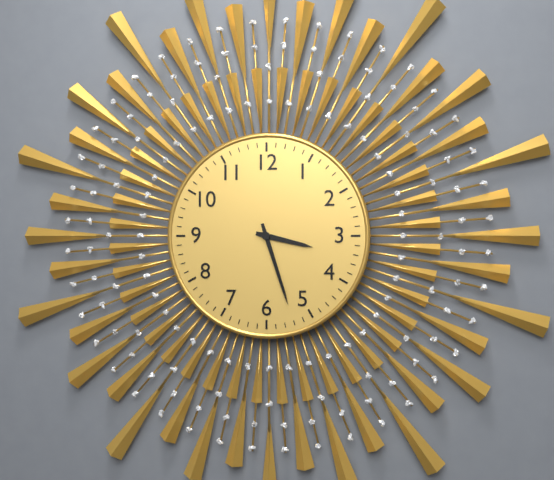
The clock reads h=3 m=27
